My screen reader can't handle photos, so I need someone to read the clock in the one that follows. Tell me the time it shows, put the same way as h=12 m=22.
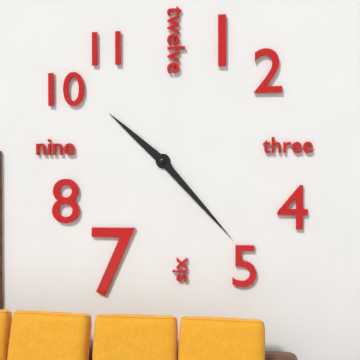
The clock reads h=10 m=23
